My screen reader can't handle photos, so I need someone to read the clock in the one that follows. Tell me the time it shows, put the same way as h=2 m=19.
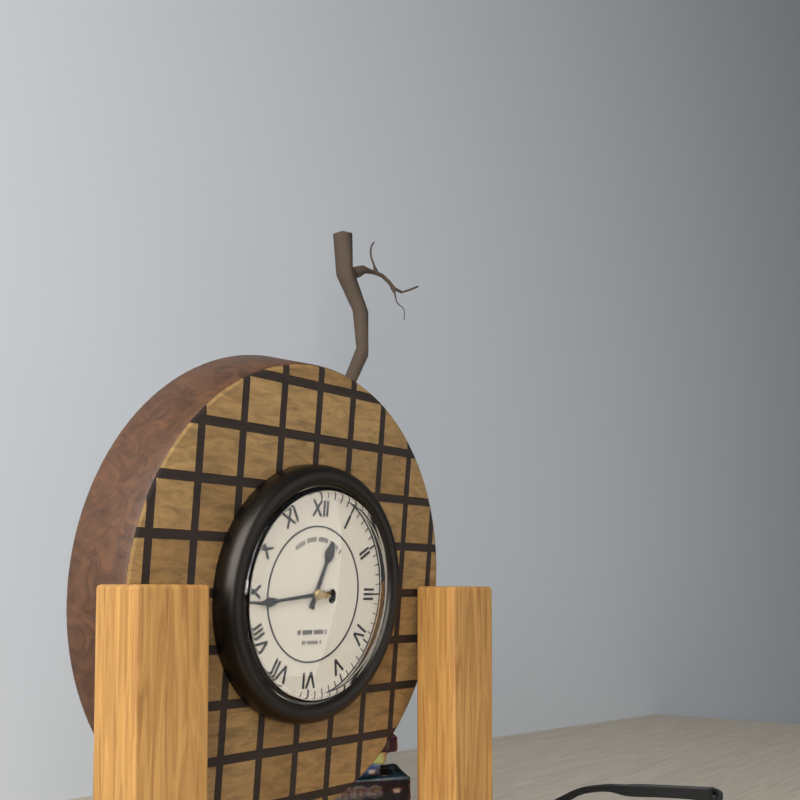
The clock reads h=12 m=44
